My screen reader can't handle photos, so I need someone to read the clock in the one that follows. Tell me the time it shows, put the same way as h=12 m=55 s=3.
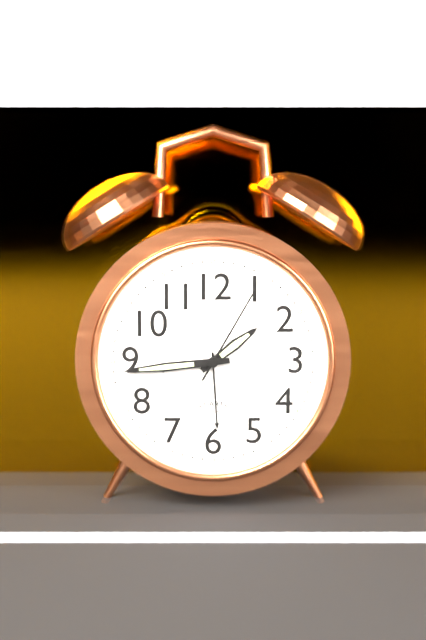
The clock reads h=1 m=44 s=5
